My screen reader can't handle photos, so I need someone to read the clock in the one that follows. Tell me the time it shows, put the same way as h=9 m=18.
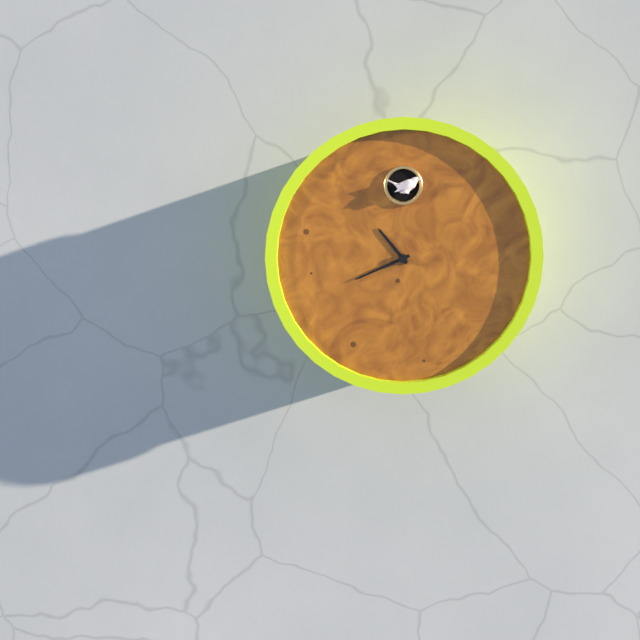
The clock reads h=10 m=41
